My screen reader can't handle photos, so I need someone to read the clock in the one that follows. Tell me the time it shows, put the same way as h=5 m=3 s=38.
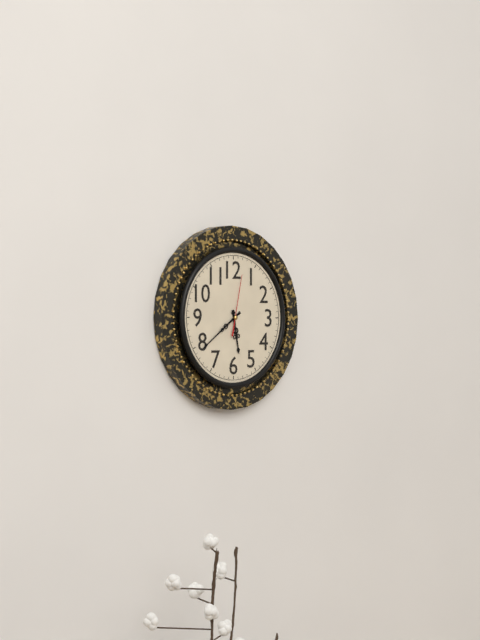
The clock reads h=5 m=39 s=2
